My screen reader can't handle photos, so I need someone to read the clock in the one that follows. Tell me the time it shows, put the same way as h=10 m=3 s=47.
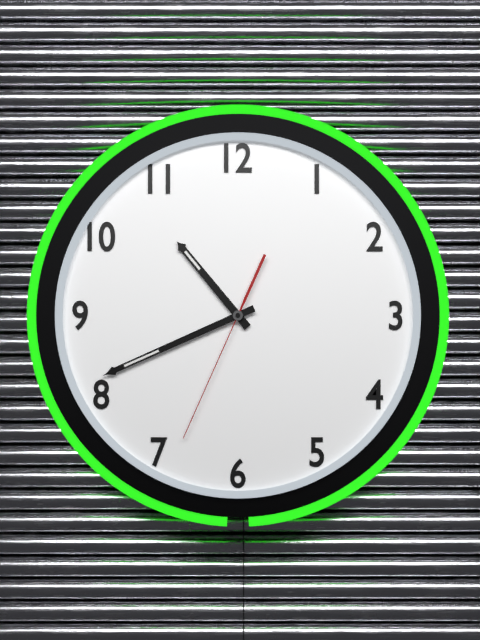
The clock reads h=10 m=41 s=34
